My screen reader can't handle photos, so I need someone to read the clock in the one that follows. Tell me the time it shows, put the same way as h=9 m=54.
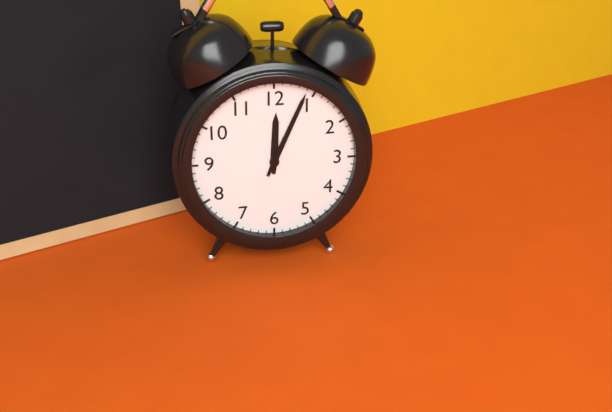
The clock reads h=12 m=4
